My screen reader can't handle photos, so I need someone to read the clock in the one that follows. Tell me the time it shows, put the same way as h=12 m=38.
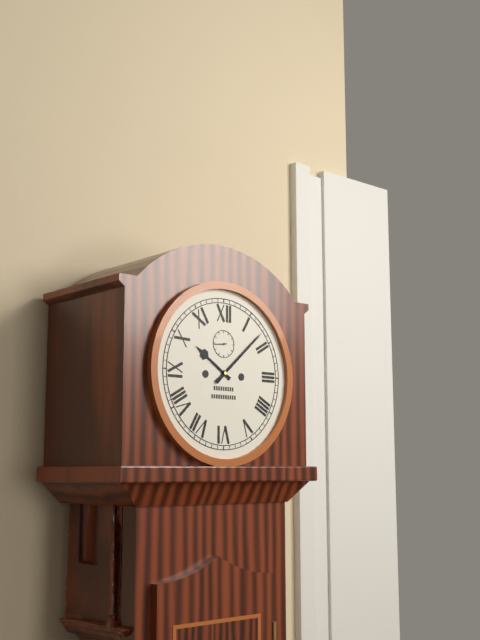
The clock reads h=10 m=8
